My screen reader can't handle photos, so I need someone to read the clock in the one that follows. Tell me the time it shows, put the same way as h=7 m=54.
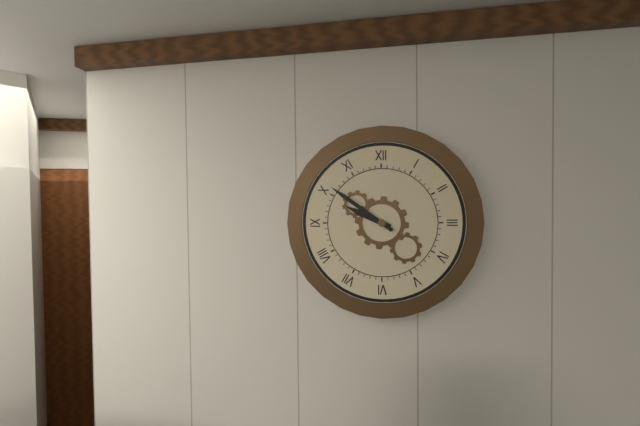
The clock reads h=9 m=51
